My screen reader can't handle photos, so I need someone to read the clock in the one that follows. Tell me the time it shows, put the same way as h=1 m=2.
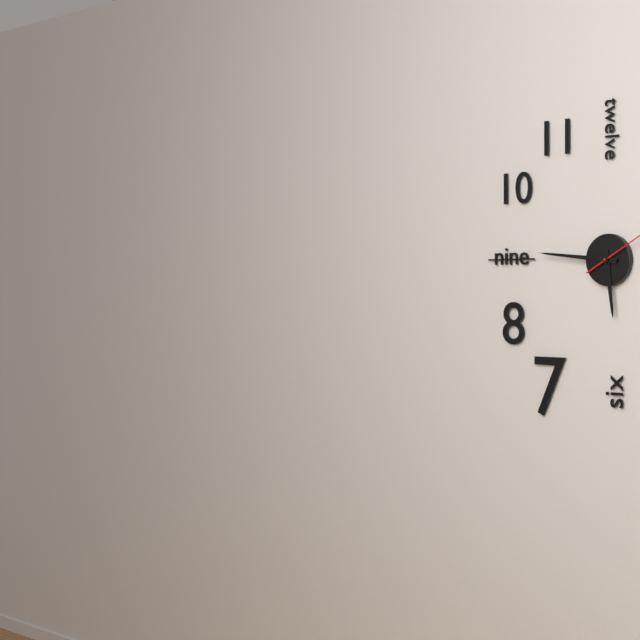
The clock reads h=5 m=46
